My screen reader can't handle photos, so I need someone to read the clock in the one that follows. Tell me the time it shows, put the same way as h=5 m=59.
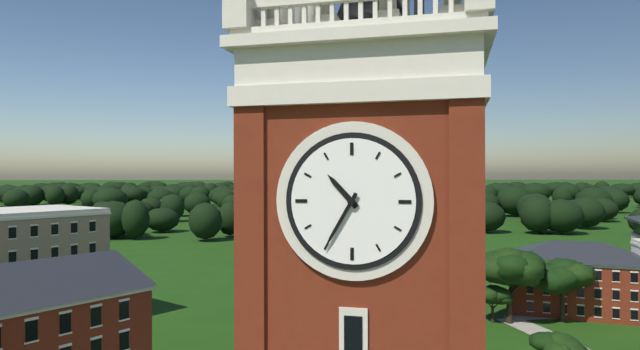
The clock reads h=10 m=35
